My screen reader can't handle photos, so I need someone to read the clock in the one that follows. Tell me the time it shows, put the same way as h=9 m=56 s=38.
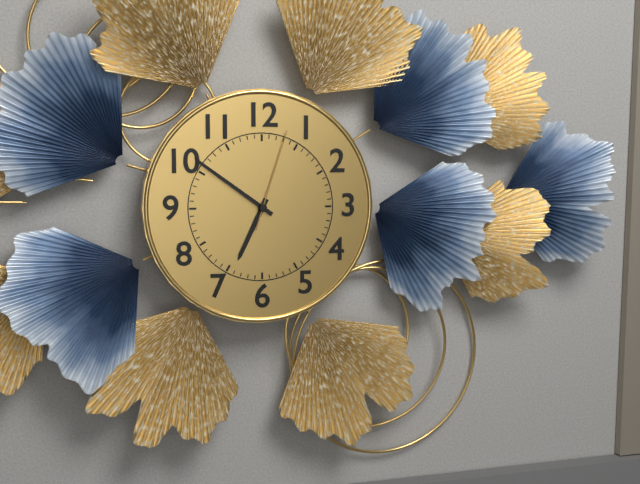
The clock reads h=6 m=51 s=3
